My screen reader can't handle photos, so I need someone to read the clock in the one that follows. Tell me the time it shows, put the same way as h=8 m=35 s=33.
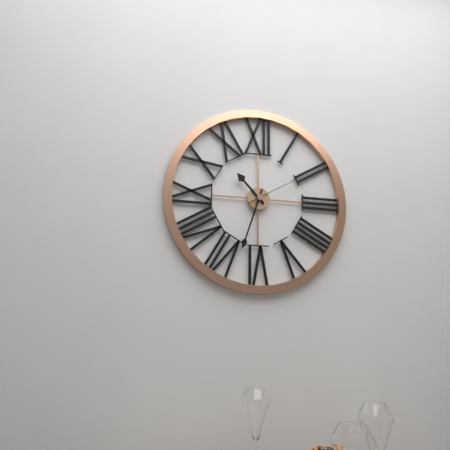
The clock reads h=10 m=33 s=10
